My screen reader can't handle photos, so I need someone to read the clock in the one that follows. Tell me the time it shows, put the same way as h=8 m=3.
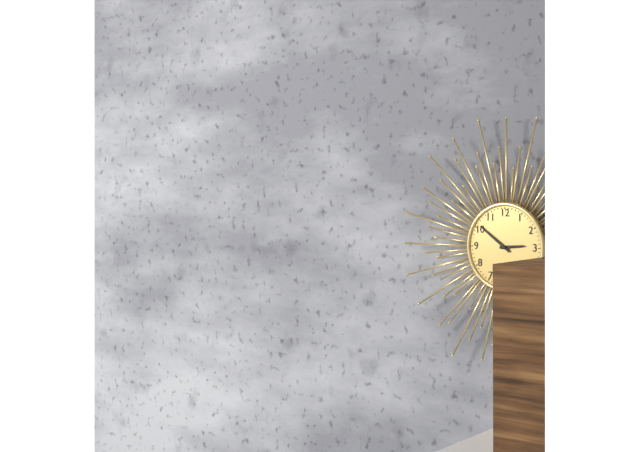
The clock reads h=2 m=51
